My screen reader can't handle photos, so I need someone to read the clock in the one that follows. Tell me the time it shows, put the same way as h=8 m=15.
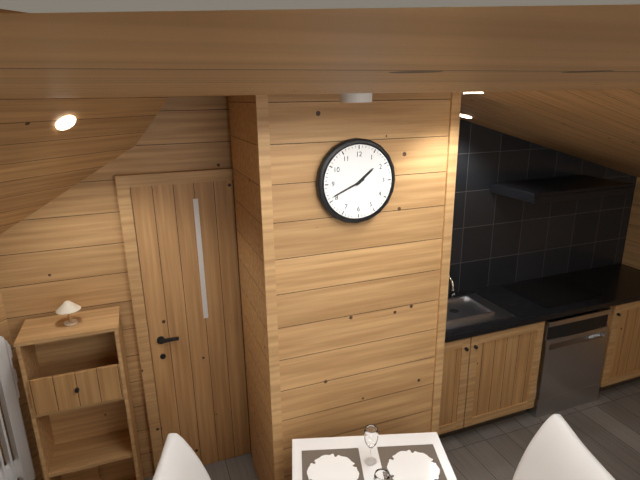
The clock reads h=1 m=41
